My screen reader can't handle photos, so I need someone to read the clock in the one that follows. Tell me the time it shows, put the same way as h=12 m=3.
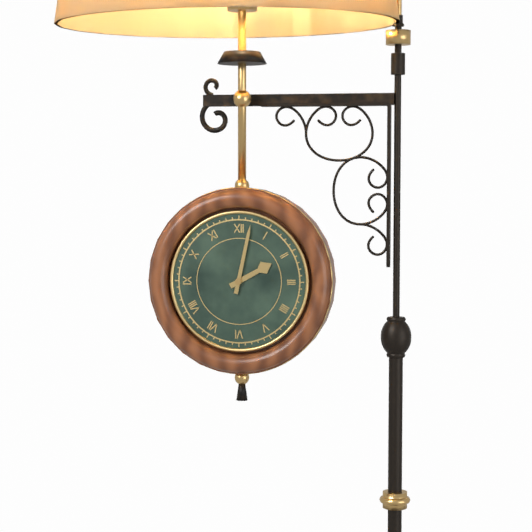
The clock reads h=2 m=2
